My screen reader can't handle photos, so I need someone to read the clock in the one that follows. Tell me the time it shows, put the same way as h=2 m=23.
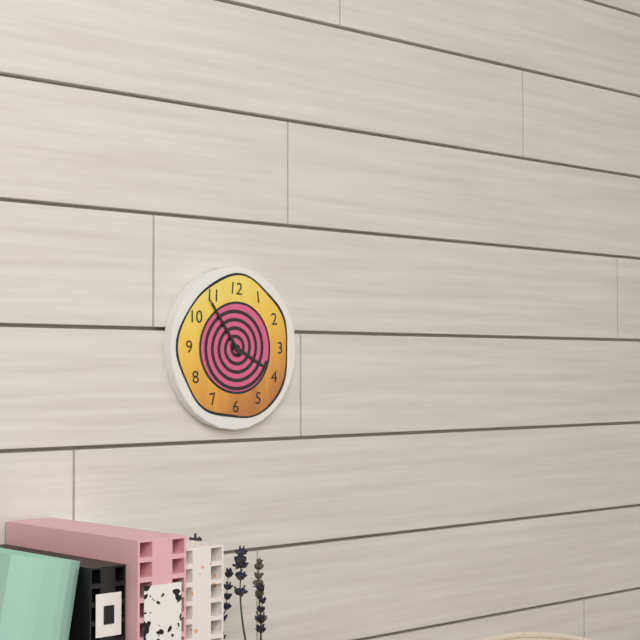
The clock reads h=3 m=54
